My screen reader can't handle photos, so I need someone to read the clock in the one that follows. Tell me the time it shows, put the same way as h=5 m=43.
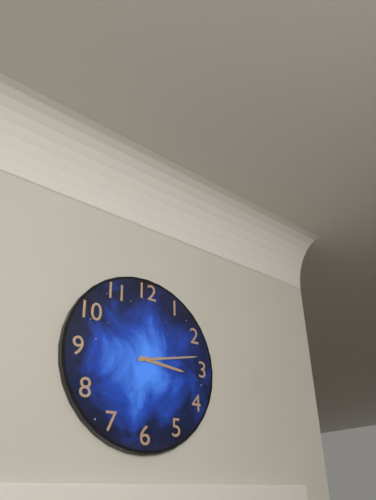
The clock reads h=3 m=13
